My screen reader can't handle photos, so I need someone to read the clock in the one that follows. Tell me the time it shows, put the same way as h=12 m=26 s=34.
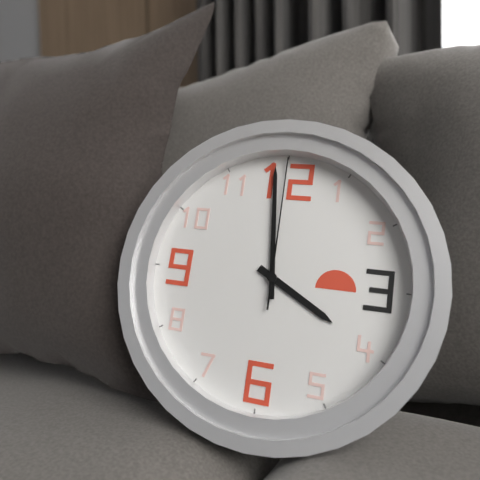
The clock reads h=3 m=59 s=0
